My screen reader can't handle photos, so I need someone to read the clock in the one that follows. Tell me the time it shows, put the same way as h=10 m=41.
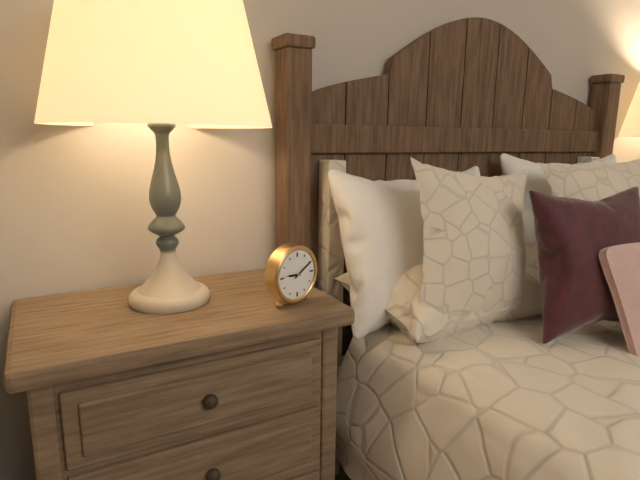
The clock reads h=9 m=10
